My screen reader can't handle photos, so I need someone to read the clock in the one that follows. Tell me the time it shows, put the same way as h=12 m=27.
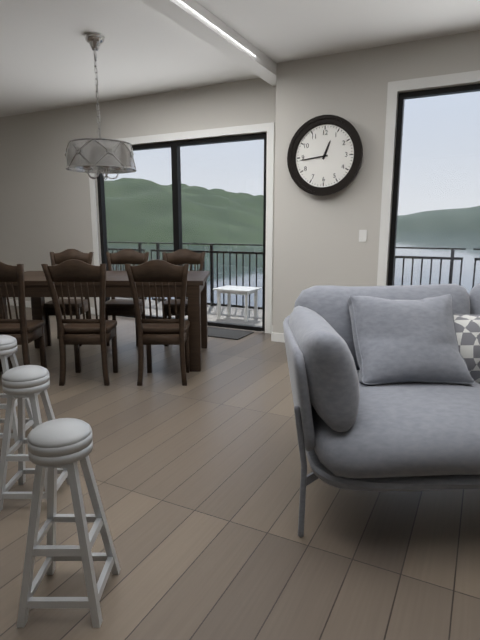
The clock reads h=12 m=44
